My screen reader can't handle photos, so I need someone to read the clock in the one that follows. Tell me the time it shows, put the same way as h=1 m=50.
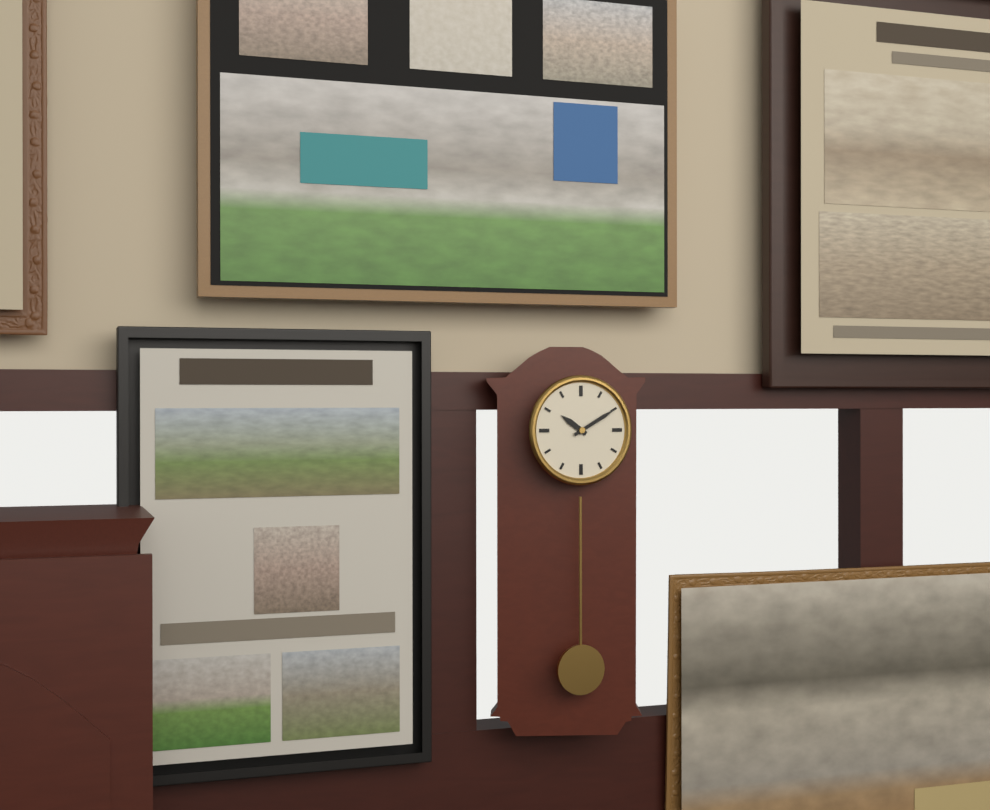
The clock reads h=10 m=10
